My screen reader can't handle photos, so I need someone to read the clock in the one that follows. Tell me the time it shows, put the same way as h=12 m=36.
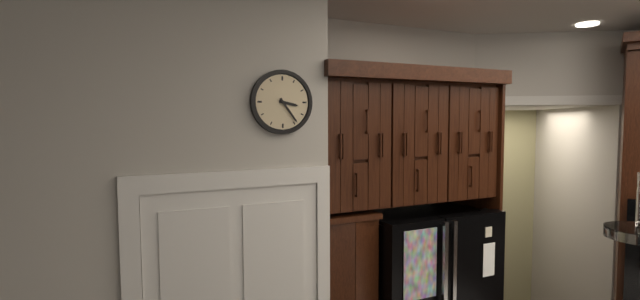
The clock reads h=3 m=24
